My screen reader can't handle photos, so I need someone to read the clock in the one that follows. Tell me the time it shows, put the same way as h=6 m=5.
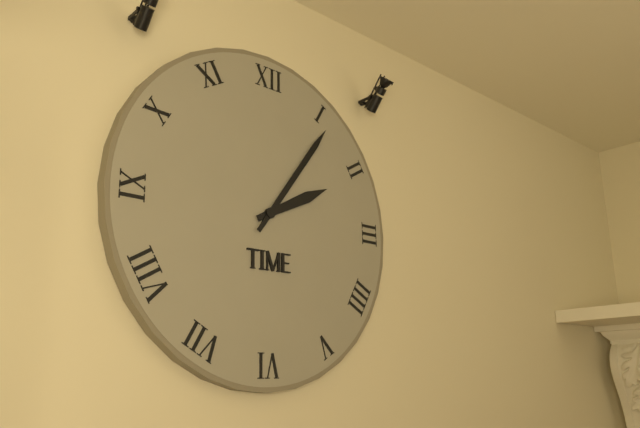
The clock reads h=2 m=6
